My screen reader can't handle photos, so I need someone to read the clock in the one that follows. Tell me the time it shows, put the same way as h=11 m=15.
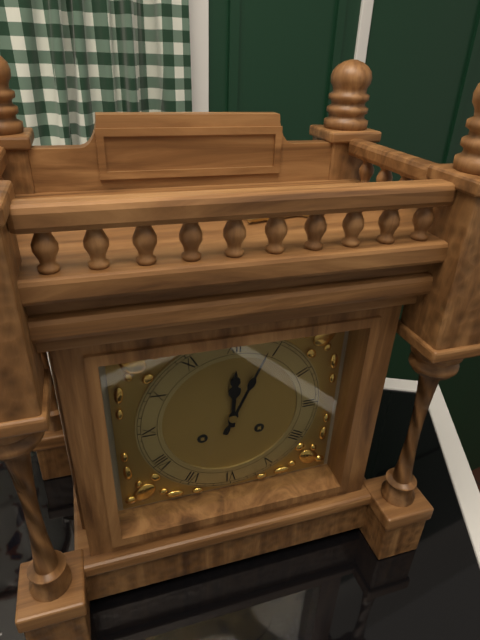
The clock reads h=12 m=4
